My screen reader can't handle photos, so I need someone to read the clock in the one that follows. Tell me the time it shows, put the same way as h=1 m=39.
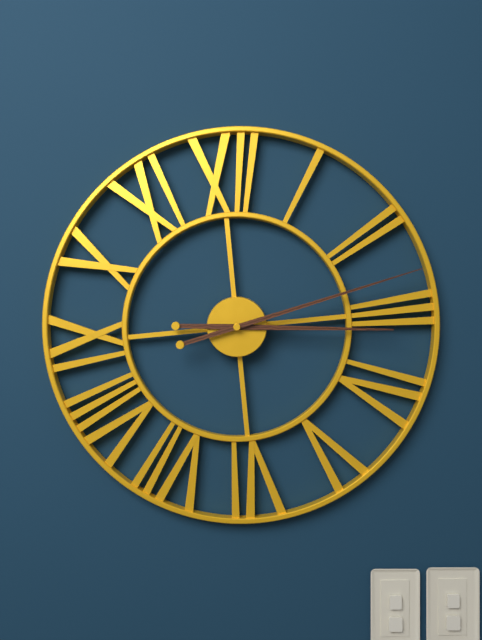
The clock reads h=3 m=13
